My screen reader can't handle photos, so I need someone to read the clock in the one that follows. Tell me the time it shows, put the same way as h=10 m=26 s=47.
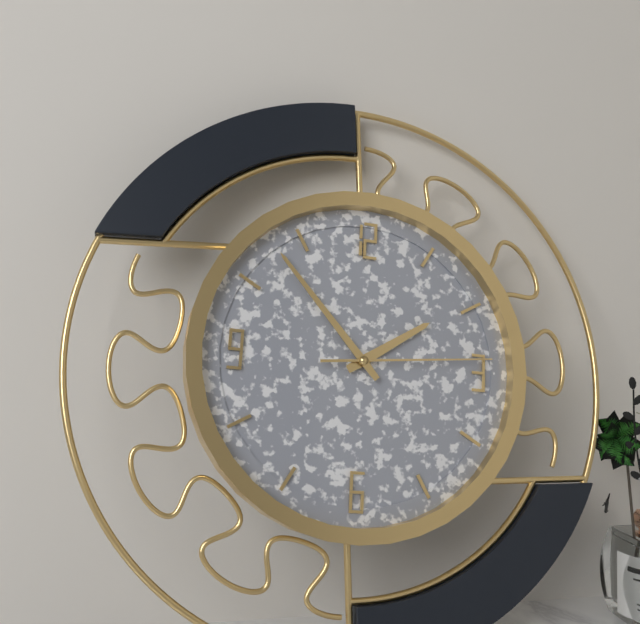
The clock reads h=1 m=53 s=14
